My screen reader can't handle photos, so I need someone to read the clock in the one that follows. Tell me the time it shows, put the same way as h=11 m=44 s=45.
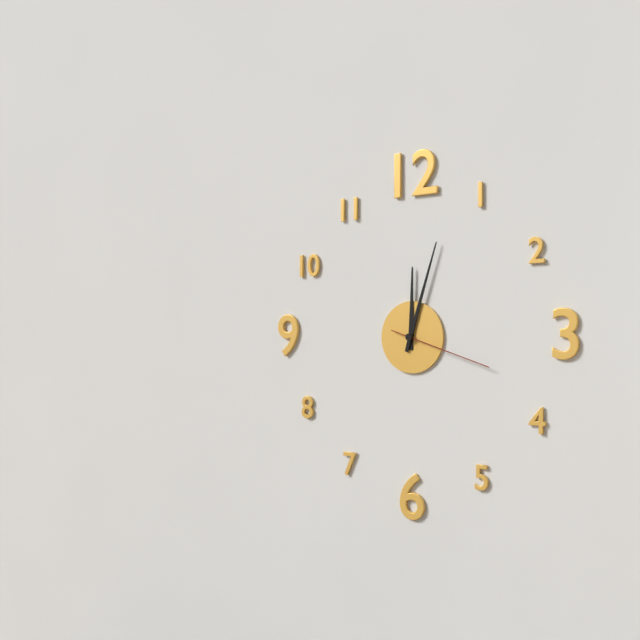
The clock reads h=12 m=3 s=18
